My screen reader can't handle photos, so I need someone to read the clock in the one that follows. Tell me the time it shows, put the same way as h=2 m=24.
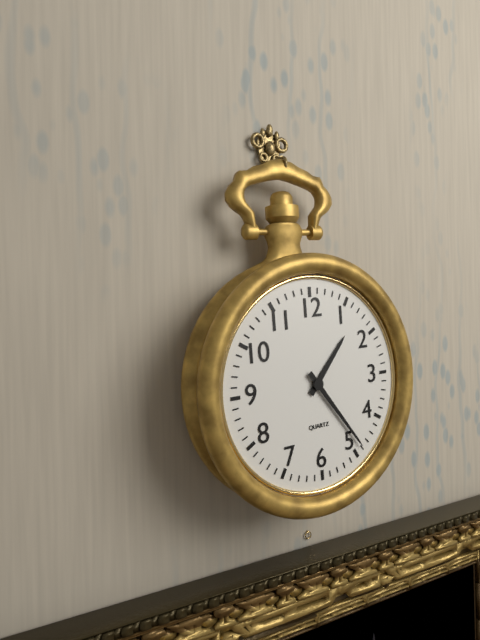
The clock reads h=1 m=24
